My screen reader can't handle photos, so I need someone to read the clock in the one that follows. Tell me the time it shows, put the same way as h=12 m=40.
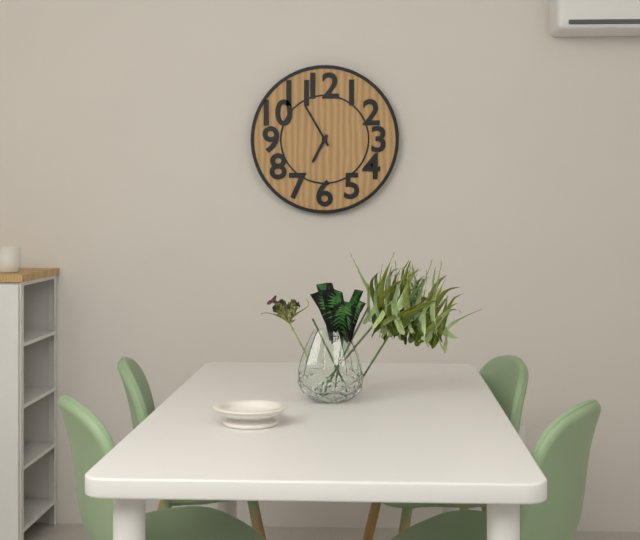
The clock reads h=6 m=55
